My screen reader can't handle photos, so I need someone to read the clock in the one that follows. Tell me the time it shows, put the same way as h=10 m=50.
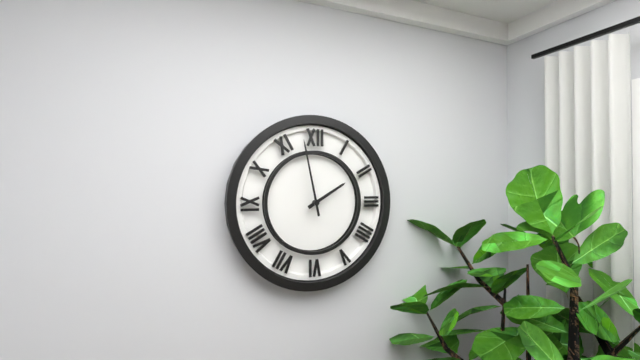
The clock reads h=1 m=58
